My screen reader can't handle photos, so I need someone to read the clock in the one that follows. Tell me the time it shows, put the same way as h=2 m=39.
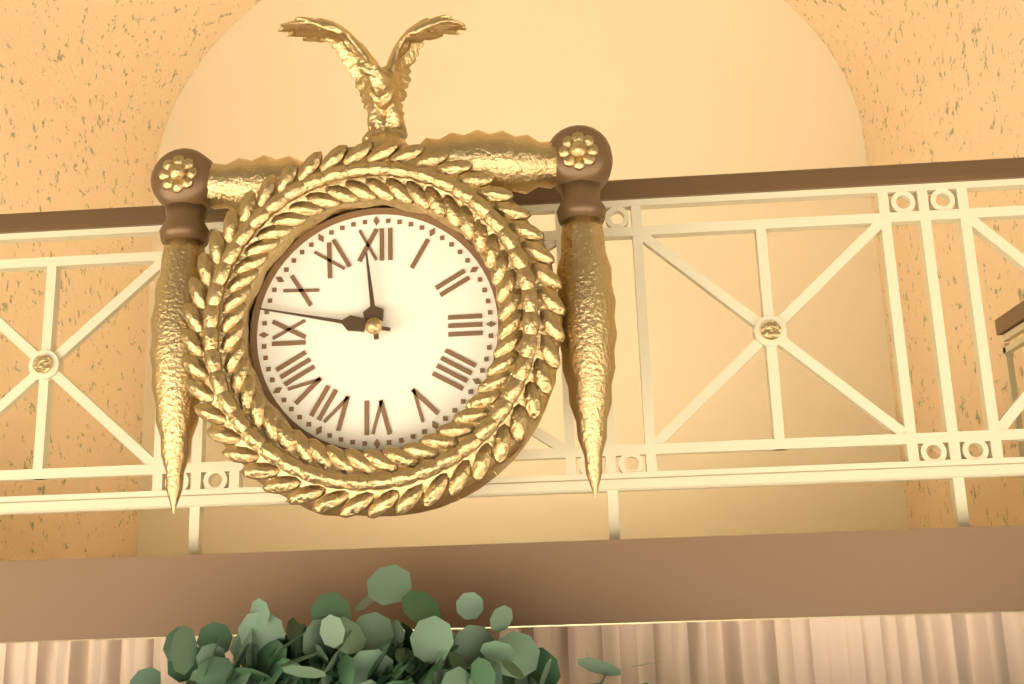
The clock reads h=11 m=47
